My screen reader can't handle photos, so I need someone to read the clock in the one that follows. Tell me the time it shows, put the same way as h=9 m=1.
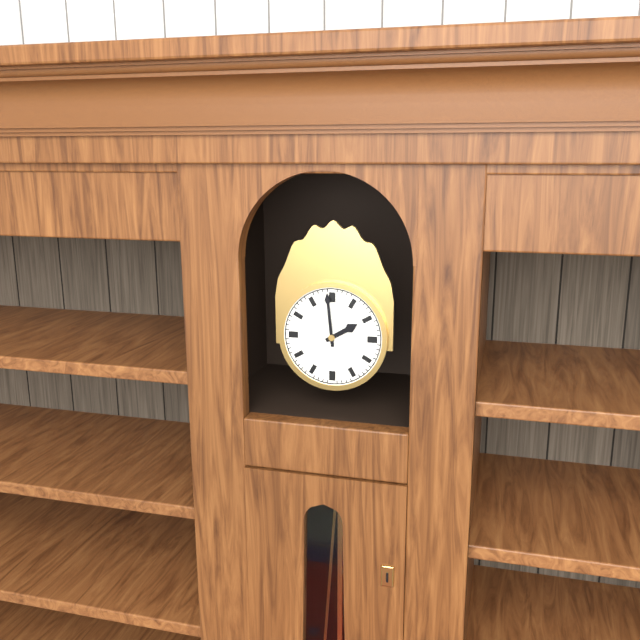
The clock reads h=1 m=59
